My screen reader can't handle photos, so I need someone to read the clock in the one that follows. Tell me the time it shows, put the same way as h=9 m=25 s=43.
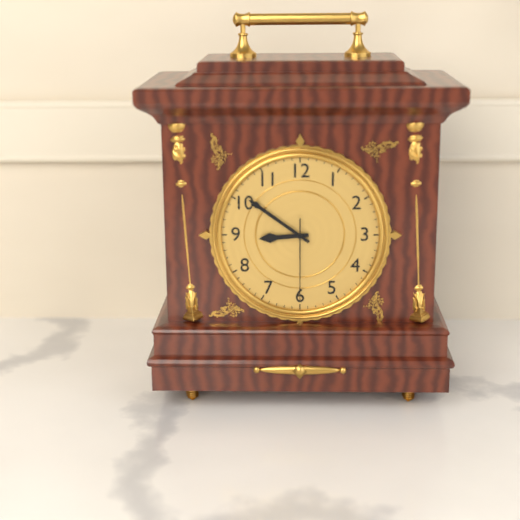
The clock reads h=8 m=51 s=30
